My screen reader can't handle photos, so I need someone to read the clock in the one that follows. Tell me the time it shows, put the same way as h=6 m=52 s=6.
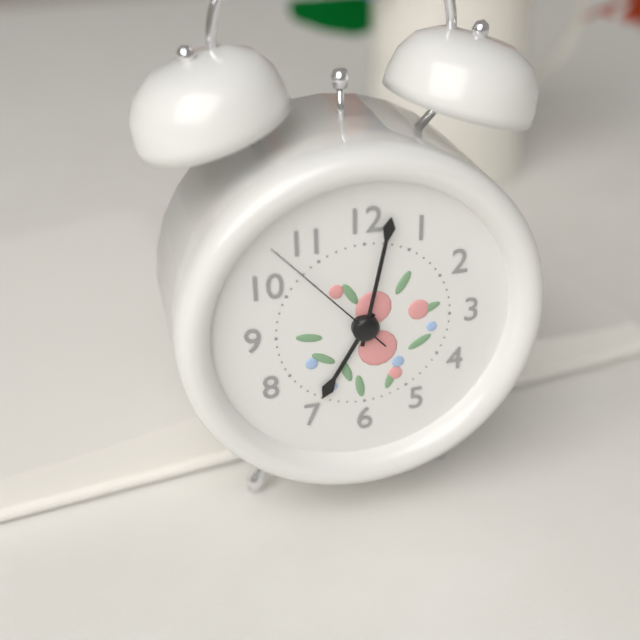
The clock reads h=7 m=2 s=53
